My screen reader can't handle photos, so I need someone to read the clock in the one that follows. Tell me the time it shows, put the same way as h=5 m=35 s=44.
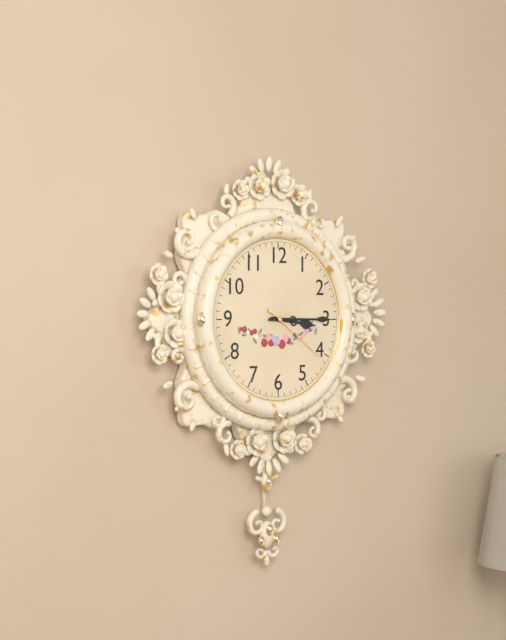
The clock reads h=3 m=15 s=21
